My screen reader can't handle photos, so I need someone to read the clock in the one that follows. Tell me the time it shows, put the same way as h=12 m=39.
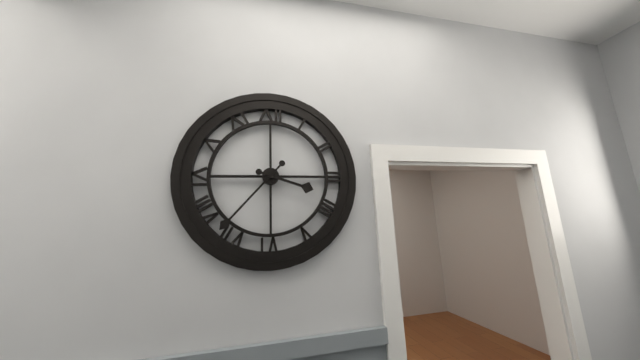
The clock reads h=3 m=37
